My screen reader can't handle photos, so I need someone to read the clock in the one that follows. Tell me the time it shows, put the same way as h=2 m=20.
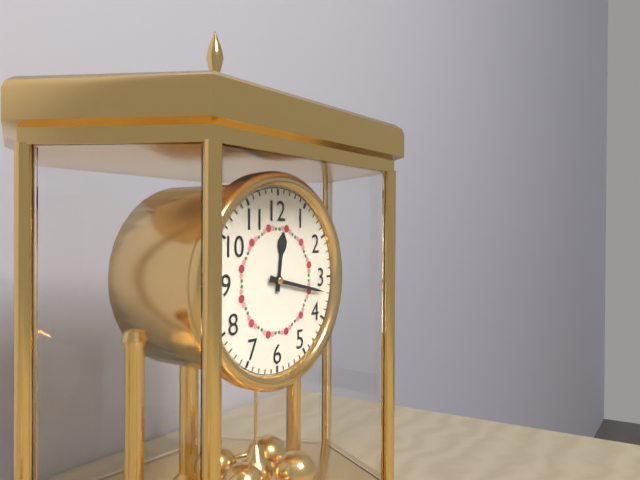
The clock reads h=12 m=17
